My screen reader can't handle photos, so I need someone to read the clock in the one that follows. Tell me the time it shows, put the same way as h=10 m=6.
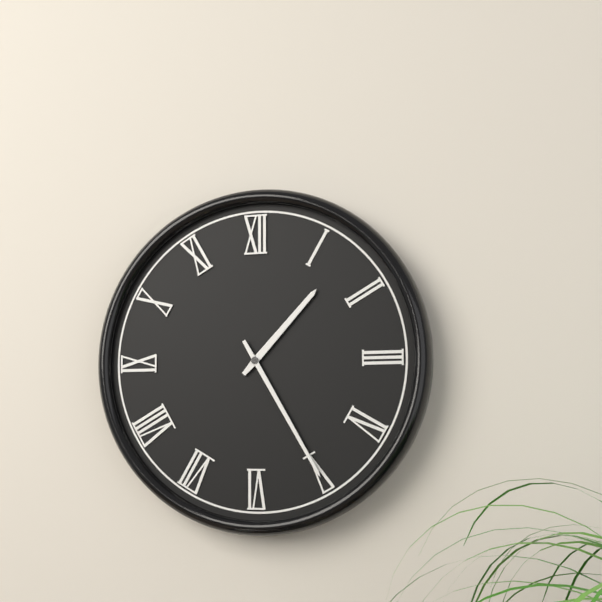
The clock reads h=1 m=25
